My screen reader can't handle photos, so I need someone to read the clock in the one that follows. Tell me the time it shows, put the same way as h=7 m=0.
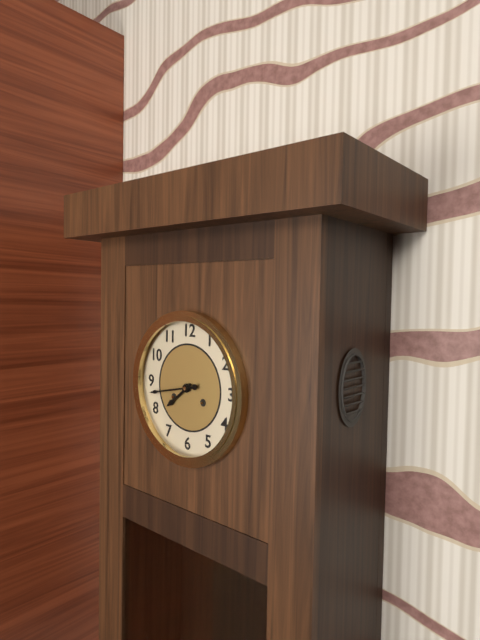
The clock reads h=7 m=43
